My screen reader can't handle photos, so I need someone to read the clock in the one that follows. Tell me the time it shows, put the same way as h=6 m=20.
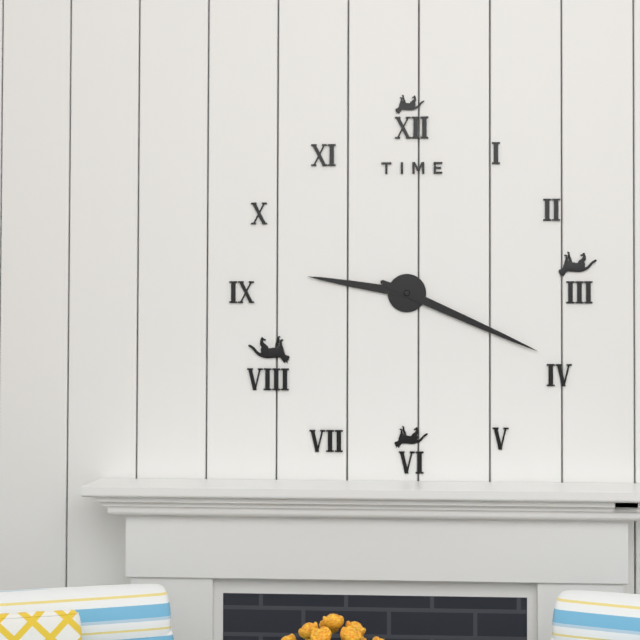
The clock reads h=9 m=19
